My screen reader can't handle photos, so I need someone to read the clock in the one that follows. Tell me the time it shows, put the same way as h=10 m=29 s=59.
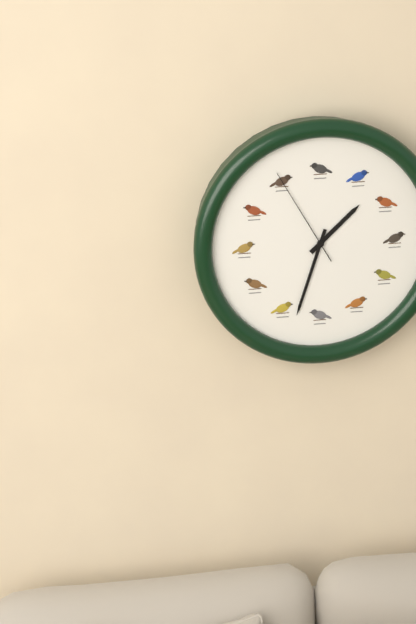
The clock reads h=1 m=33 s=55
